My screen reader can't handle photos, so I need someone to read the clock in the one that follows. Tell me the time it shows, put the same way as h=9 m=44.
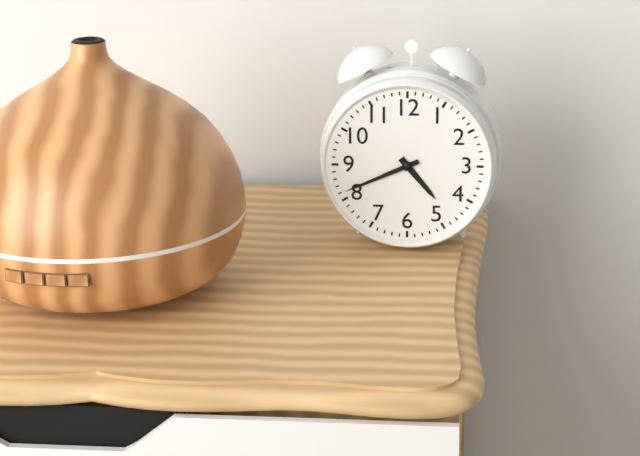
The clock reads h=4 m=41
